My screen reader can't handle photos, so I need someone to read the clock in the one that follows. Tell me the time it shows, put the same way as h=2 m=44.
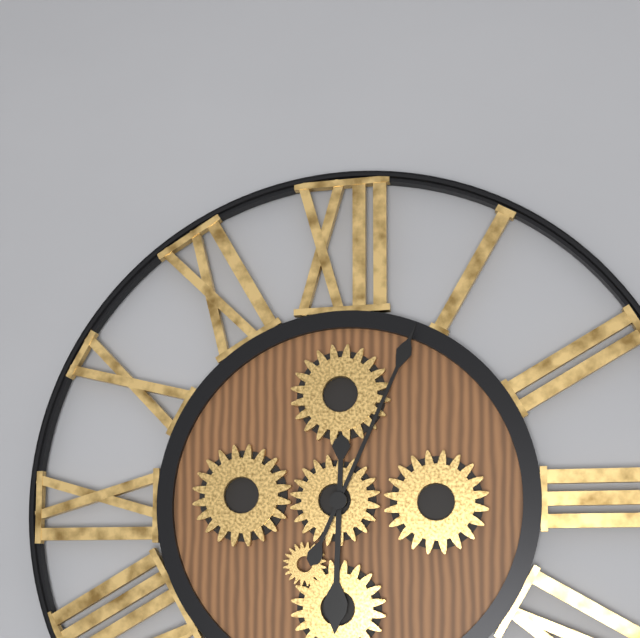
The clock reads h=6 m=4
